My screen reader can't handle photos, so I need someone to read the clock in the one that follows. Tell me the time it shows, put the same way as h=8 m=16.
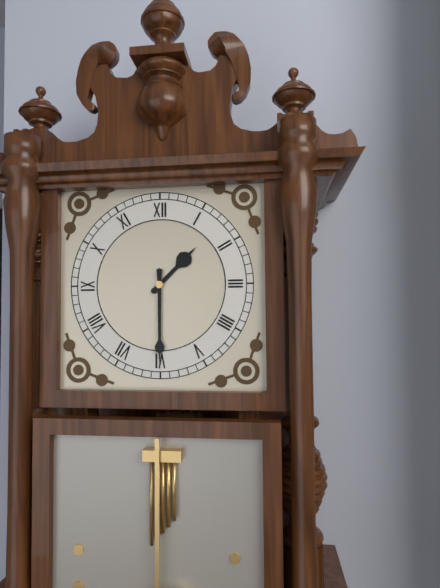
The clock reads h=1 m=30
